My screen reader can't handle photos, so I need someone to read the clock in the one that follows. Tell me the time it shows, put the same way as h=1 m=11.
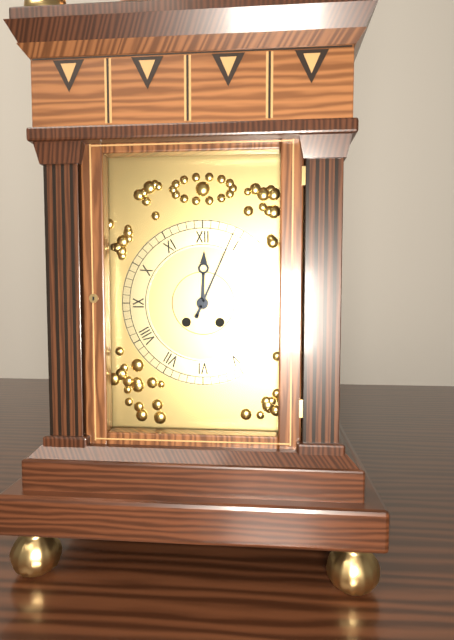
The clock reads h=12 m=4
